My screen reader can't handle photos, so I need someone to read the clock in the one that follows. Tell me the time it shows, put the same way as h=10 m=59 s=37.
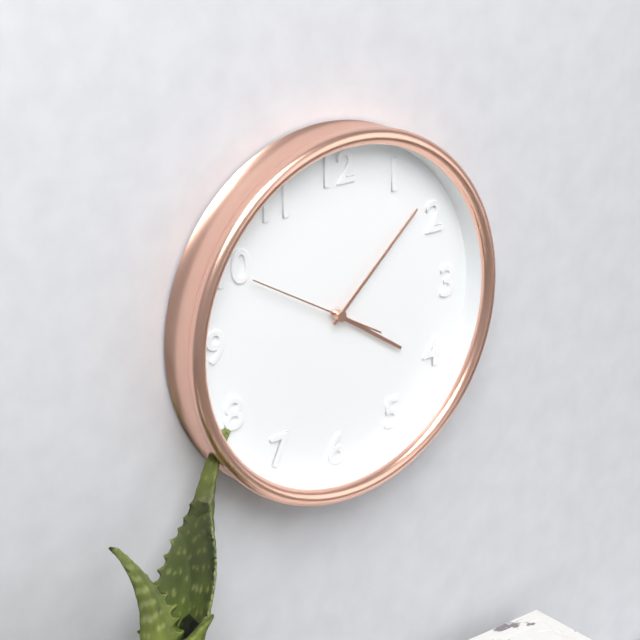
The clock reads h=4 m=8 s=50
